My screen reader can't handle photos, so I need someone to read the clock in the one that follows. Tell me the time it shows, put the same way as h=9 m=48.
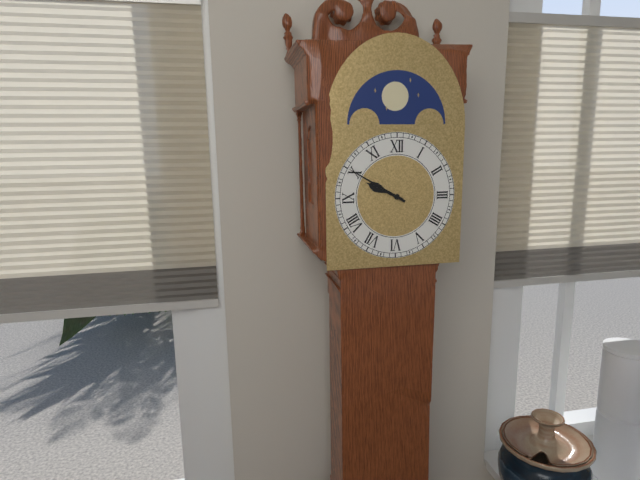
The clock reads h=9 m=50
